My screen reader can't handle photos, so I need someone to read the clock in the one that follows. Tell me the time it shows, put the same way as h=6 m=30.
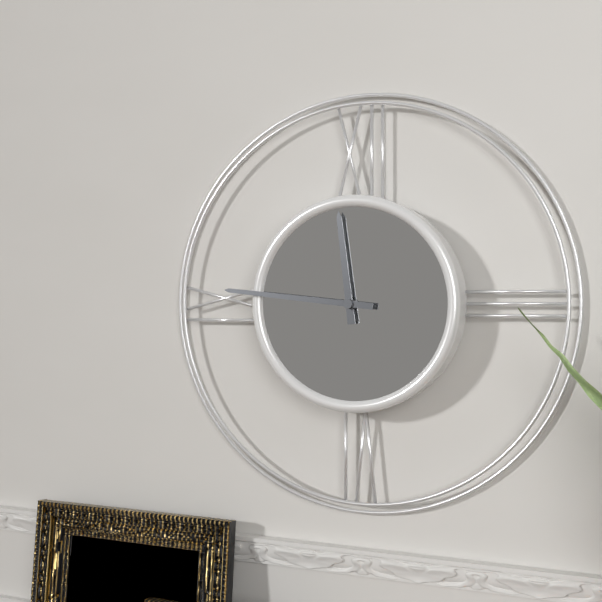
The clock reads h=11 m=46
